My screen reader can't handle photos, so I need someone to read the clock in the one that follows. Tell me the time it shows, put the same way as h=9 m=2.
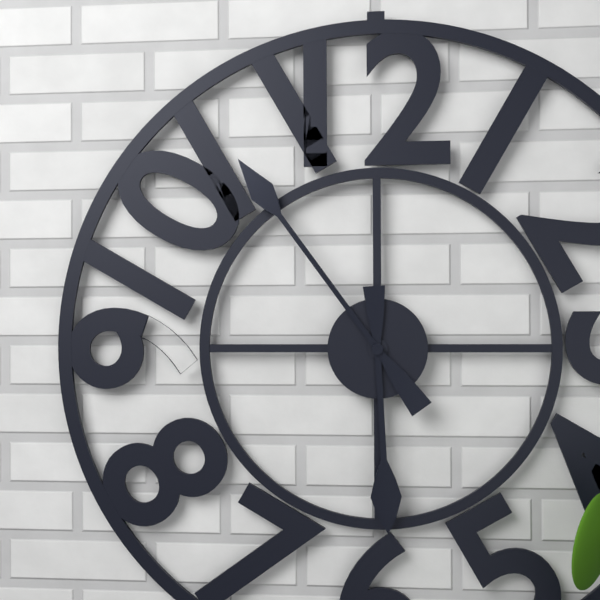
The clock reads h=5 m=54
